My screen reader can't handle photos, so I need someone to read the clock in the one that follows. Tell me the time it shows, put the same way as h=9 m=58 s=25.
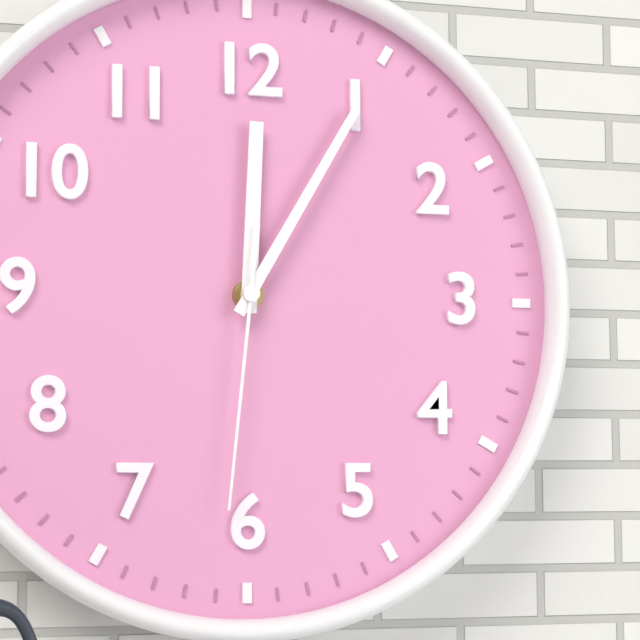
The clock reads h=12 m=5 s=31
